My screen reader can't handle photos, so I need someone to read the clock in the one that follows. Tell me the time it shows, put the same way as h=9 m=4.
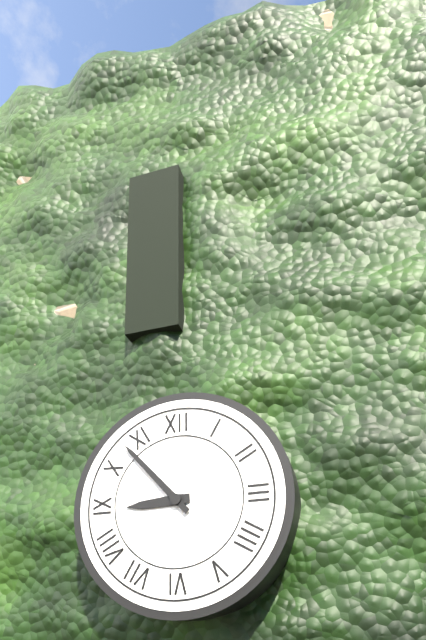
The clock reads h=8 m=53
